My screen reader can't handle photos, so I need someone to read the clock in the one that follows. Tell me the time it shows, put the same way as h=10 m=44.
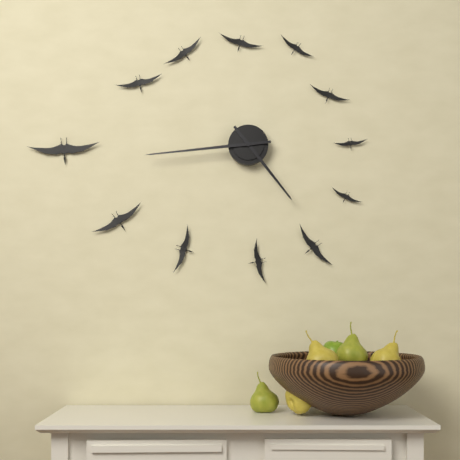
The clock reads h=4 m=44
